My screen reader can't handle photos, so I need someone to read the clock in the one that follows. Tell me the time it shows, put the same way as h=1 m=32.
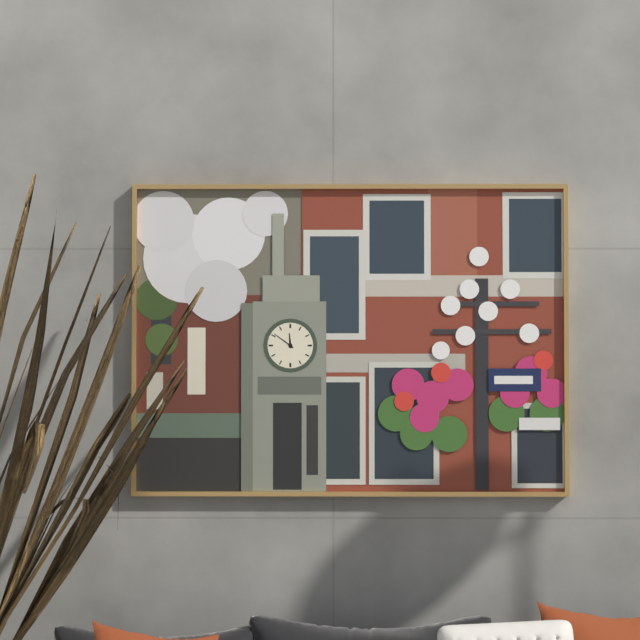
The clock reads h=11 m=51
